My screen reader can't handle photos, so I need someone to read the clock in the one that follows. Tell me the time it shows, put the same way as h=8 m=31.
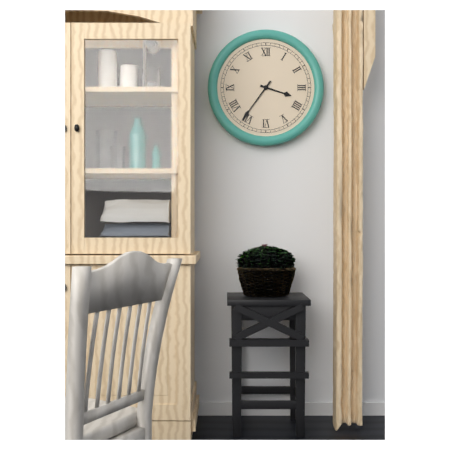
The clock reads h=3 m=36
